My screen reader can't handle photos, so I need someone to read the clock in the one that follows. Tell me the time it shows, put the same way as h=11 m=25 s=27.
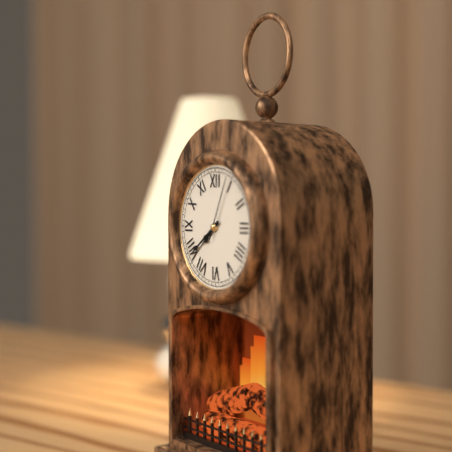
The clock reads h=7 m=39 s=4
